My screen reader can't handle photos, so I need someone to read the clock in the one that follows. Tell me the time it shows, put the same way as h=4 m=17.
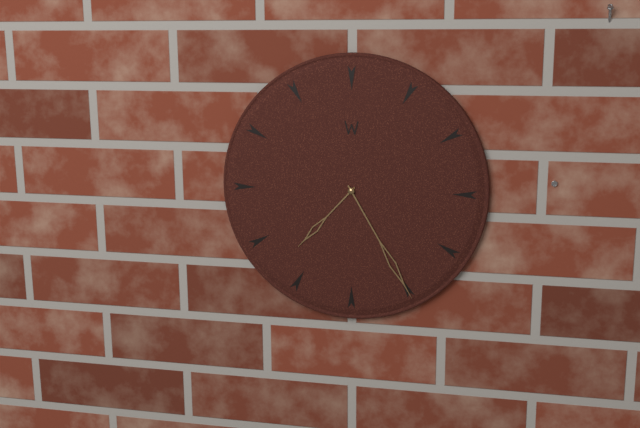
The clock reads h=7 m=25
